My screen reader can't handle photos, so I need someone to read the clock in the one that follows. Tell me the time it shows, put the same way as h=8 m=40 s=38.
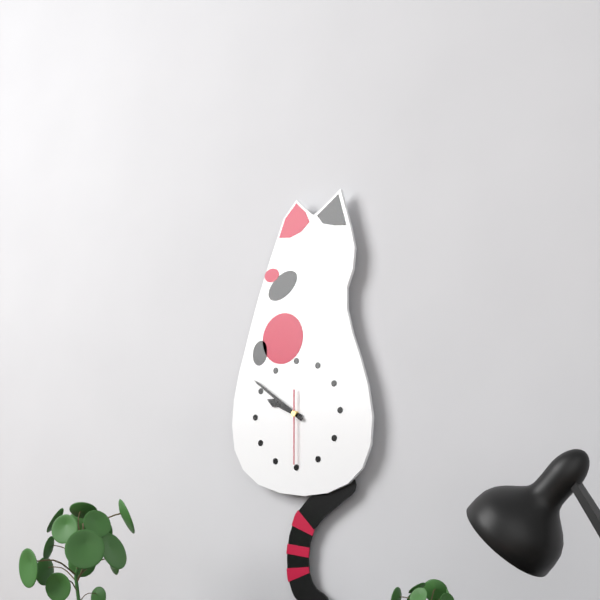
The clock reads h=9 m=51 s=30
